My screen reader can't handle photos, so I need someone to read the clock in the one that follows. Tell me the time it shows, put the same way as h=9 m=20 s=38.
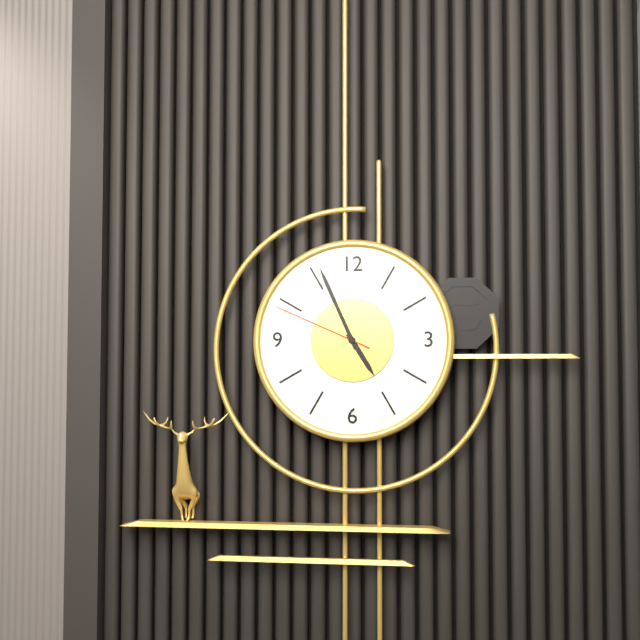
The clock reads h=4 m=56 s=49
